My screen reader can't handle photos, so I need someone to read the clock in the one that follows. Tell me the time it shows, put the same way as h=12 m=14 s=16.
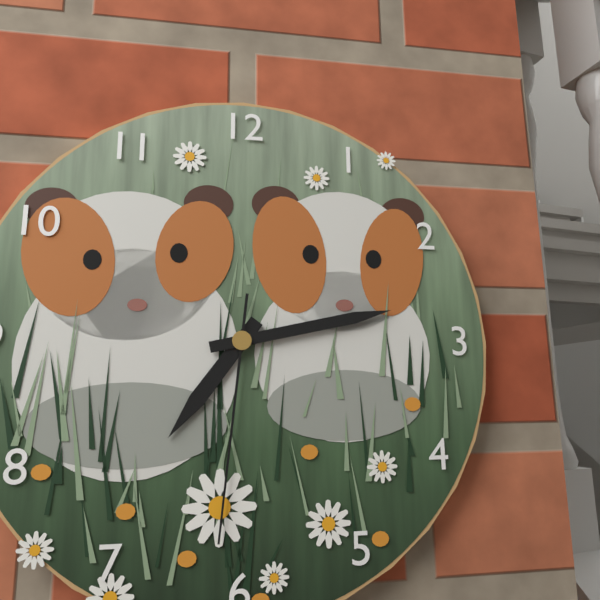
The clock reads h=7 m=13 s=31
